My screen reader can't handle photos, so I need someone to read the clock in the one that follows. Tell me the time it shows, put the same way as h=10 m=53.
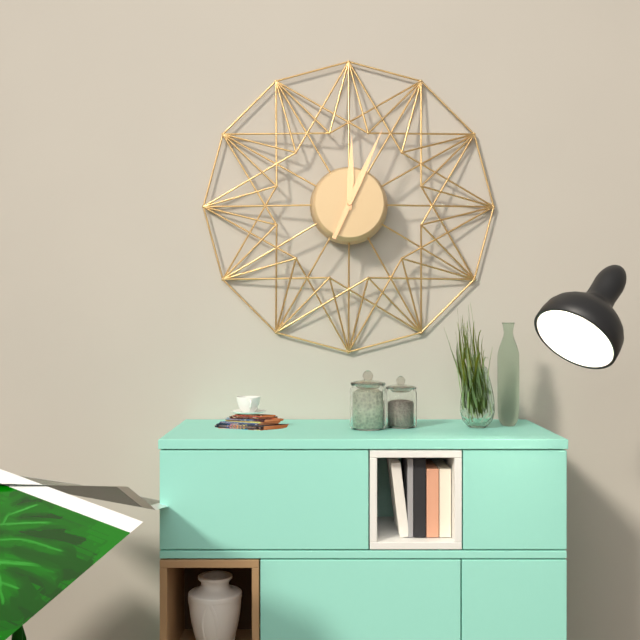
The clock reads h=12 m=4
